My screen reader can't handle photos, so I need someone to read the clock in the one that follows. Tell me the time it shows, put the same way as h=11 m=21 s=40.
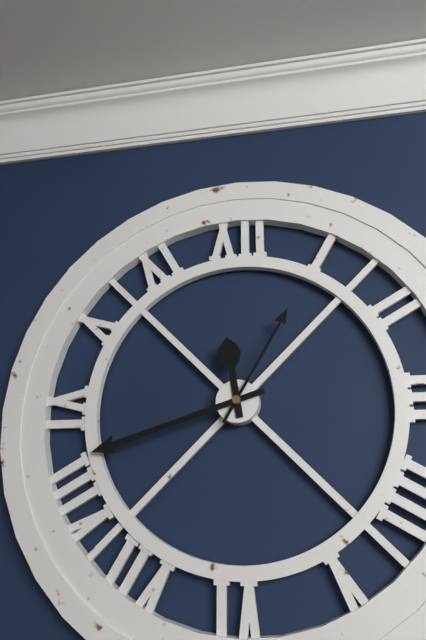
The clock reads h=11 m=42 s=5
